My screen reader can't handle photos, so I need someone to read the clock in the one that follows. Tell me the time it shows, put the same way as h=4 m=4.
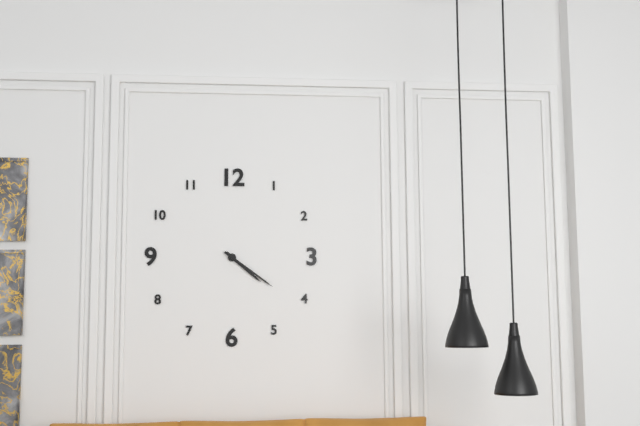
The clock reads h=4 m=21
